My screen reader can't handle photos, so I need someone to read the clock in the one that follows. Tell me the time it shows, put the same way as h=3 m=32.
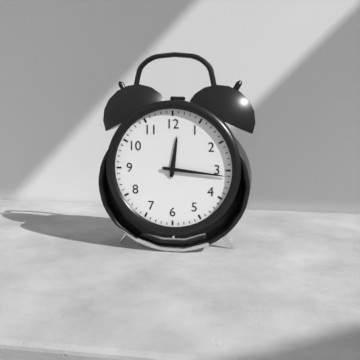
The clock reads h=12 m=16
